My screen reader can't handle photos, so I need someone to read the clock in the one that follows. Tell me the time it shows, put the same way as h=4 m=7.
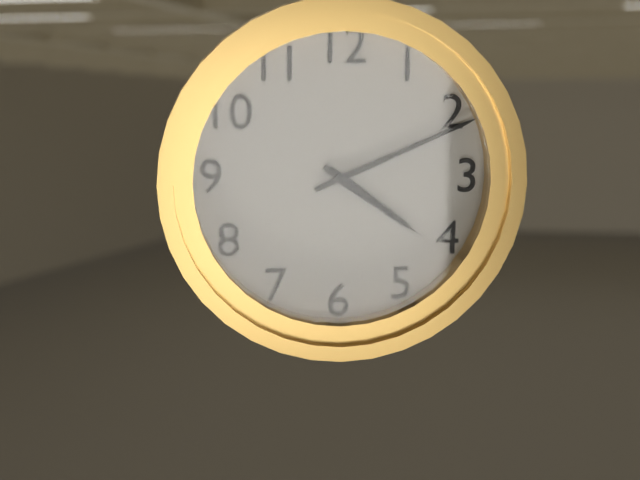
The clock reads h=4 m=11
